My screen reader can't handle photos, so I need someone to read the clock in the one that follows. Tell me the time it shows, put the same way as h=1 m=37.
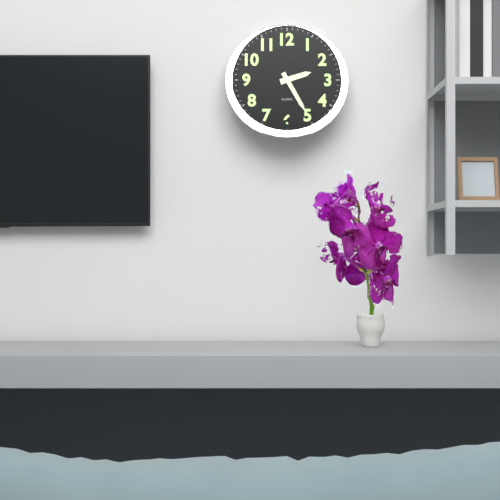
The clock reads h=2 m=25
